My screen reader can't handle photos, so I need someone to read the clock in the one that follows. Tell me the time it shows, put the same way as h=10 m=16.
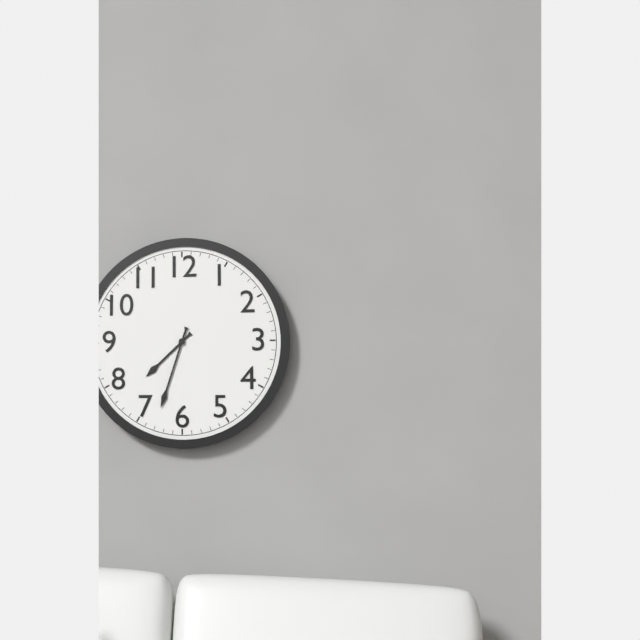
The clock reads h=7 m=33
